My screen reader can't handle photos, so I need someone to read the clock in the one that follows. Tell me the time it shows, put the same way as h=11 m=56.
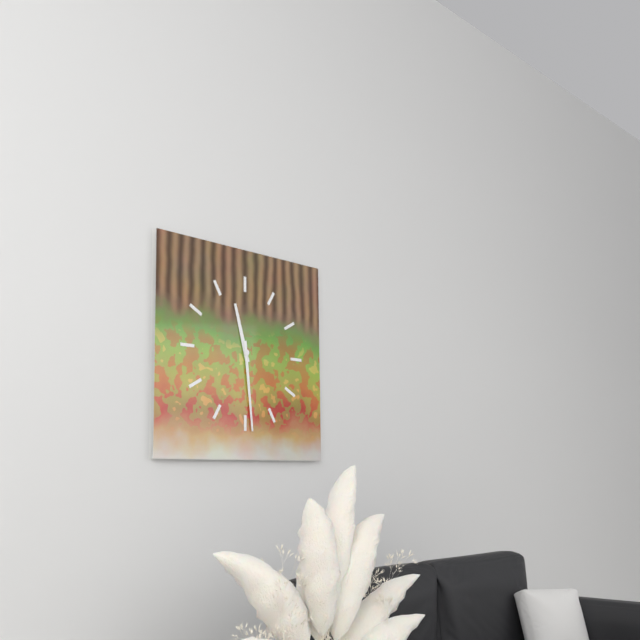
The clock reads h=11 m=29
